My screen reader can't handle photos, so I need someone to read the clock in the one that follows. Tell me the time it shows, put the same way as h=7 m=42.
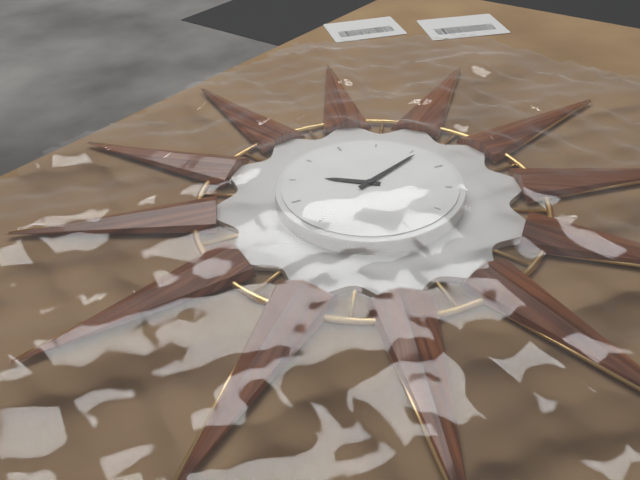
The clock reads h=10 m=11
